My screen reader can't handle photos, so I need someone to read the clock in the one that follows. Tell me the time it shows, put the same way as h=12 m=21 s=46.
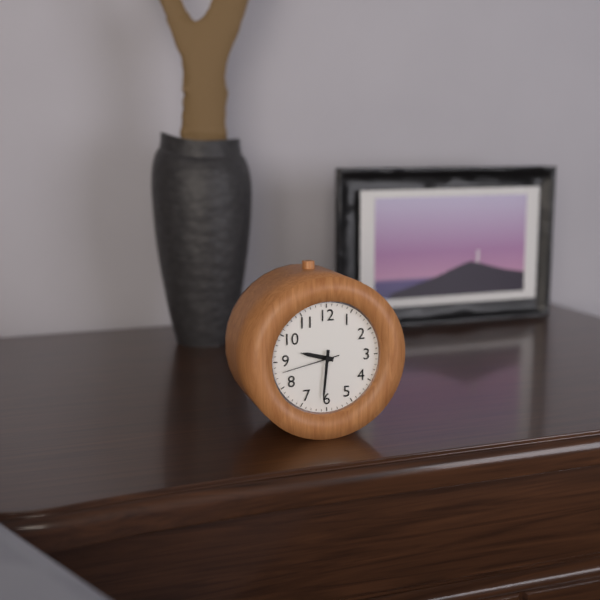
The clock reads h=9 m=31 s=43
